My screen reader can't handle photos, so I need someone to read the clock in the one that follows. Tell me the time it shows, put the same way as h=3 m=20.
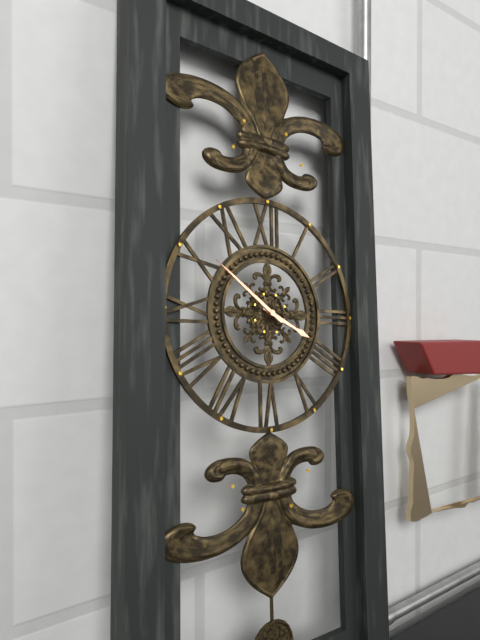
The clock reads h=3 m=51
